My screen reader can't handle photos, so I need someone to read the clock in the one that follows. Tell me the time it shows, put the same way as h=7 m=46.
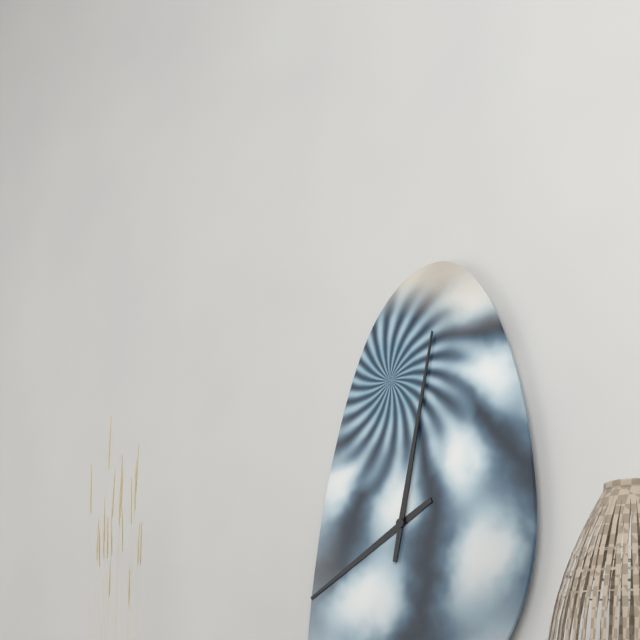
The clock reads h=8 m=2
